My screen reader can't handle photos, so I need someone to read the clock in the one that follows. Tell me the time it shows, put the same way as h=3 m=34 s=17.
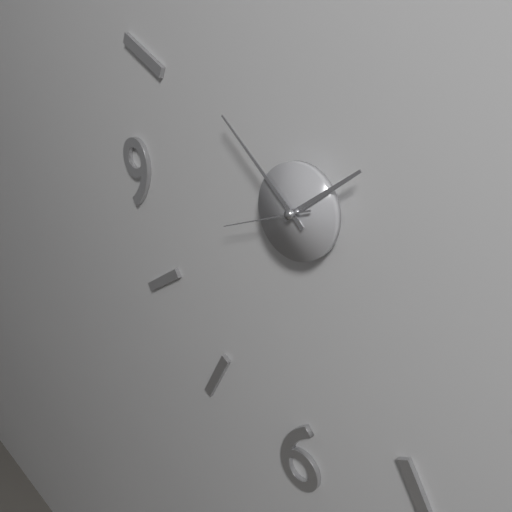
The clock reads h=1 m=52 s=42
